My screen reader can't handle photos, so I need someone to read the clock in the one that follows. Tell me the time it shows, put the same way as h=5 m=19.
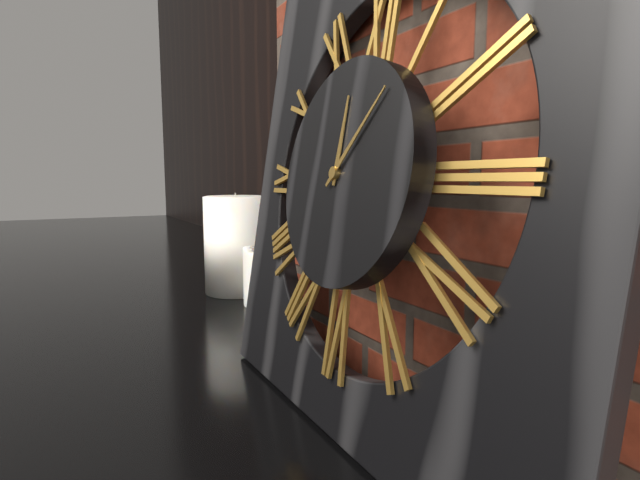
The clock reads h=12 m=7
